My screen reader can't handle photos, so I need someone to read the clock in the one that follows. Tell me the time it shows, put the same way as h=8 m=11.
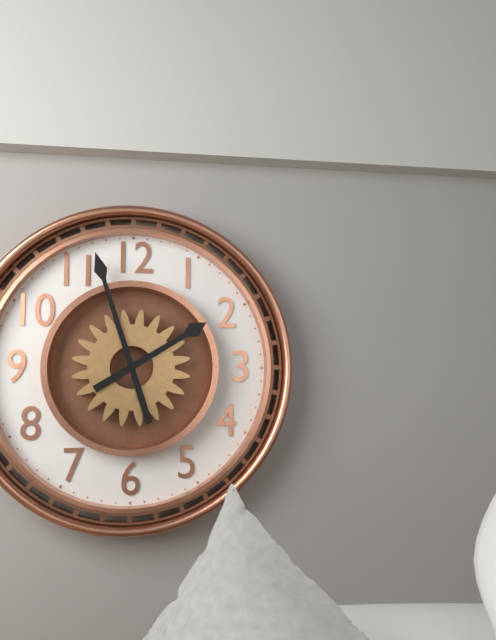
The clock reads h=1 m=57
